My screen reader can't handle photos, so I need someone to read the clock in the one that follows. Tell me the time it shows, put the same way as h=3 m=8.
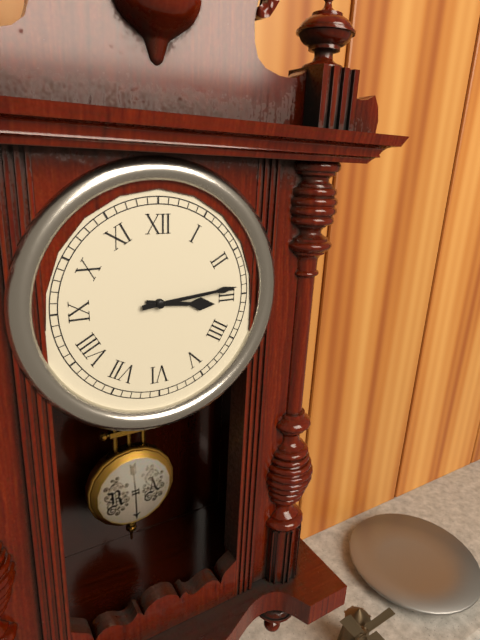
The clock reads h=3 m=14
